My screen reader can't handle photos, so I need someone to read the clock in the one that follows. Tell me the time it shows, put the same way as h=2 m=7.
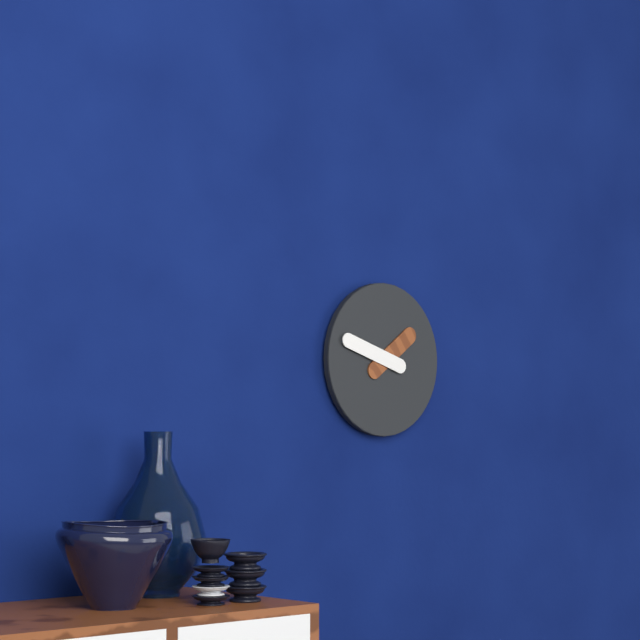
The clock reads h=1 m=48
